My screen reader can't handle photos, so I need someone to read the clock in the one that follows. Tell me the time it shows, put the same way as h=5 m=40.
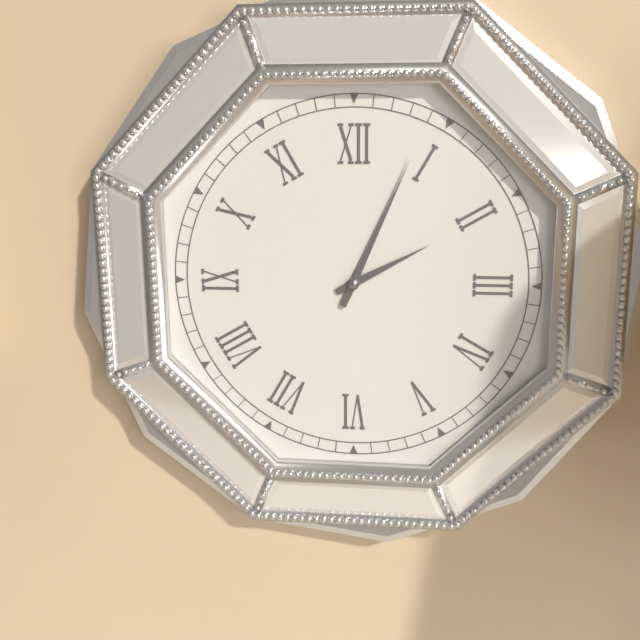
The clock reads h=2 m=4
